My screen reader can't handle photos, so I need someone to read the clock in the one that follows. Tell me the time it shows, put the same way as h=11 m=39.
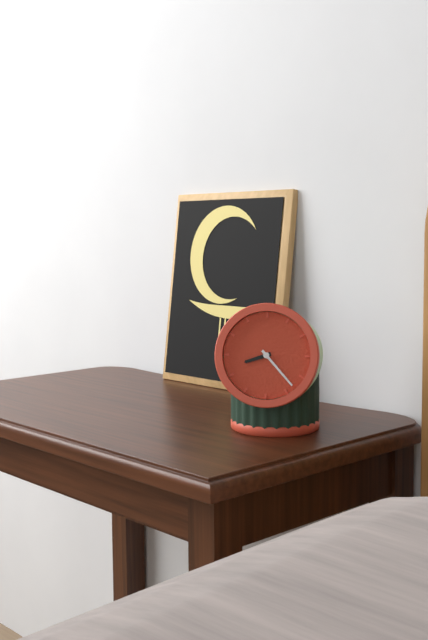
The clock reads h=8 m=23
